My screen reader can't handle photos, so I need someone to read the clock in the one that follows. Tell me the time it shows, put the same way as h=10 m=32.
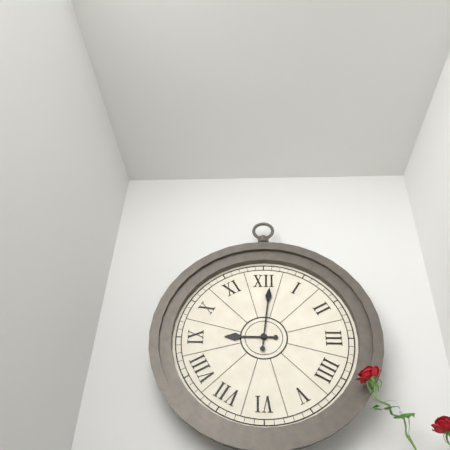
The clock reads h=9 m=1
